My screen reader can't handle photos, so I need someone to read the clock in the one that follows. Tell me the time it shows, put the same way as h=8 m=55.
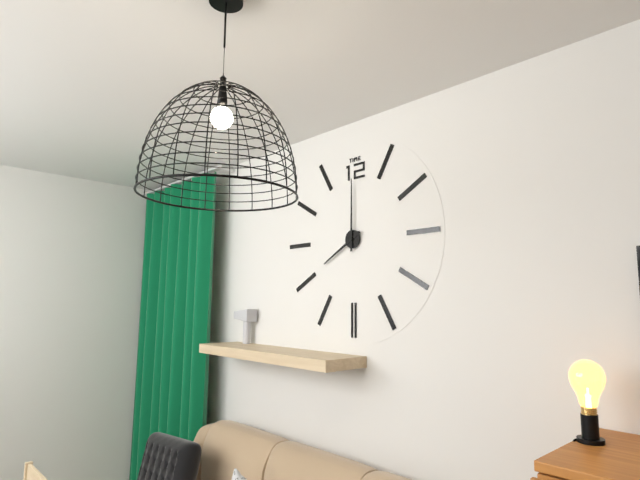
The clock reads h=8 m=0
